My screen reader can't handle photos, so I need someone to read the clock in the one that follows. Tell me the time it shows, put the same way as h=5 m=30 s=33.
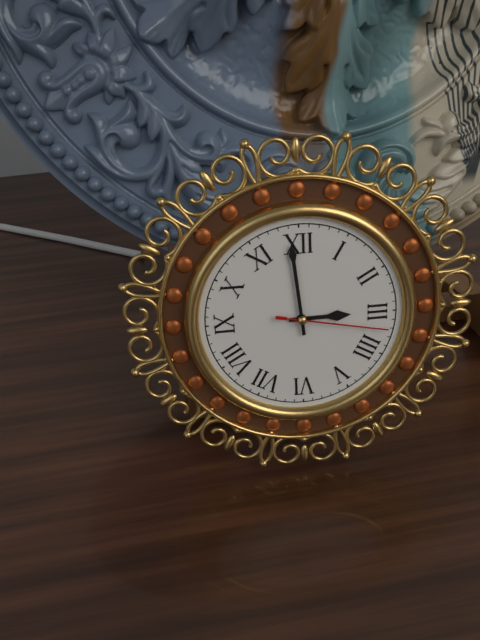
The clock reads h=2 m=59 s=17
